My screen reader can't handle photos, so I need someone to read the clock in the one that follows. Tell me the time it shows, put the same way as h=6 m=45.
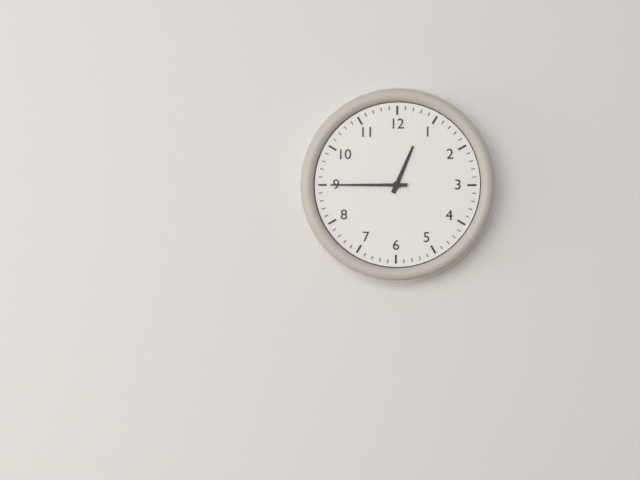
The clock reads h=12 m=45
